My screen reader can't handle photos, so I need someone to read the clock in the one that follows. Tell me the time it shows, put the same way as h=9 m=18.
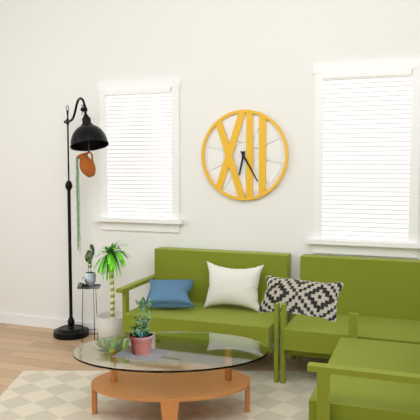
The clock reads h=6 m=25
